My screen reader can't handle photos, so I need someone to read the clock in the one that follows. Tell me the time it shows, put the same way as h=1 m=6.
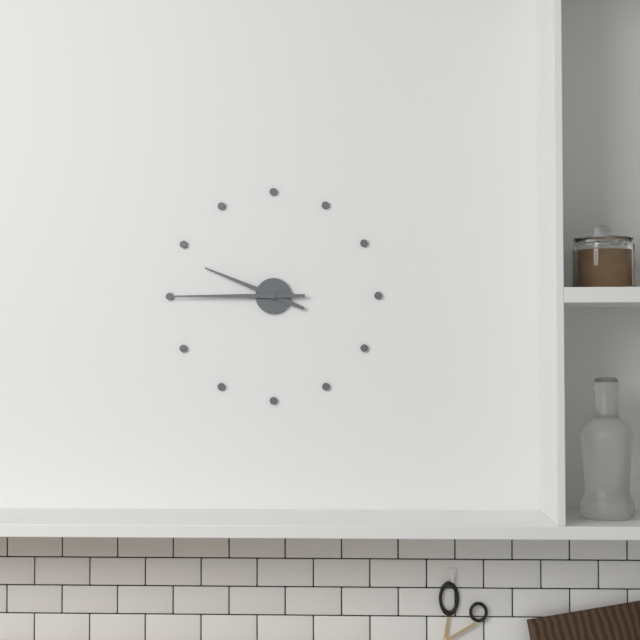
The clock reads h=9 m=45
